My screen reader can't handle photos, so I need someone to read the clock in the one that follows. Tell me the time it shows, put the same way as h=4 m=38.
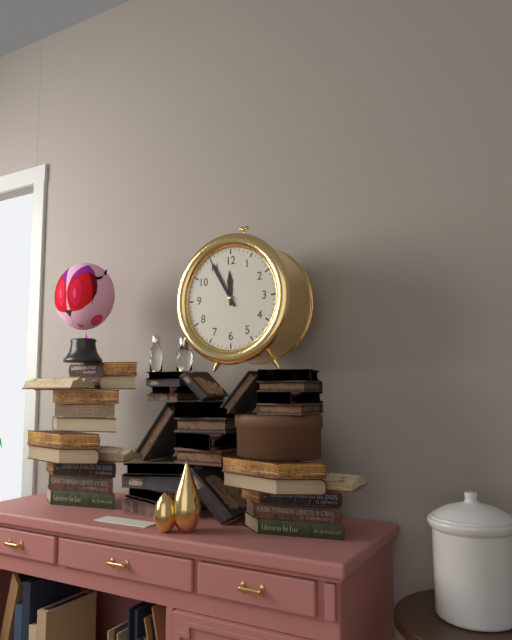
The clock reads h=11 m=55
